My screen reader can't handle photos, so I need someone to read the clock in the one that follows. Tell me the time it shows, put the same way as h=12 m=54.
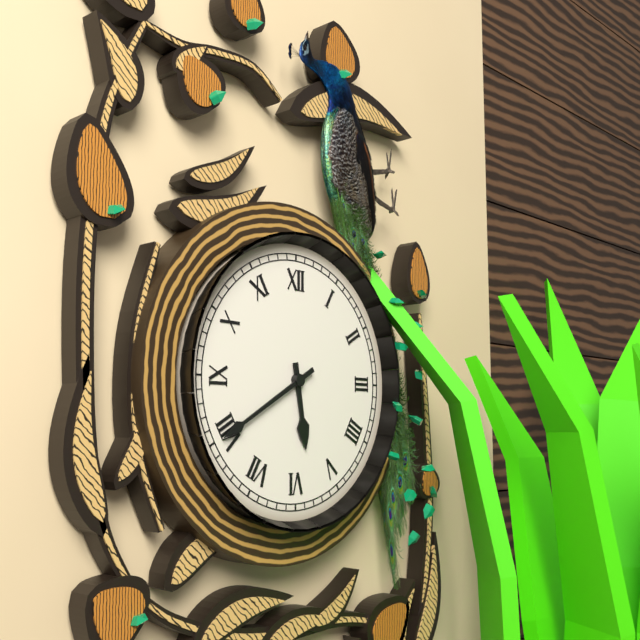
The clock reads h=5 m=40
